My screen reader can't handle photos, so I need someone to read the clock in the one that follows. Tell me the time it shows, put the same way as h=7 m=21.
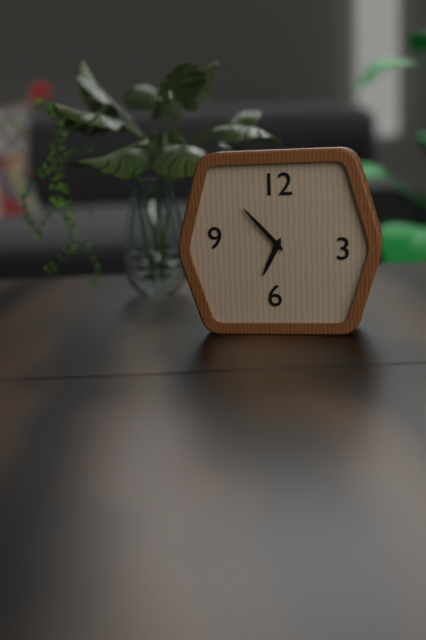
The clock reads h=6 m=53
